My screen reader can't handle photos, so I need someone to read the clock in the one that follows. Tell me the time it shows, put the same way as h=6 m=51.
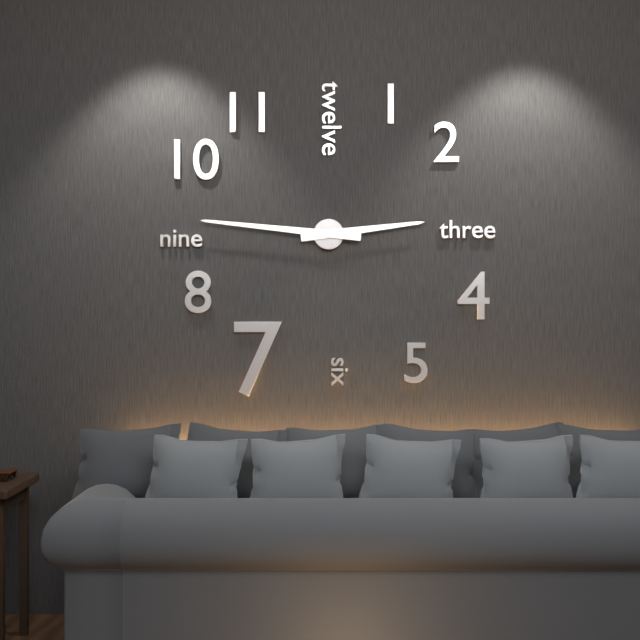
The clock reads h=2 m=46
